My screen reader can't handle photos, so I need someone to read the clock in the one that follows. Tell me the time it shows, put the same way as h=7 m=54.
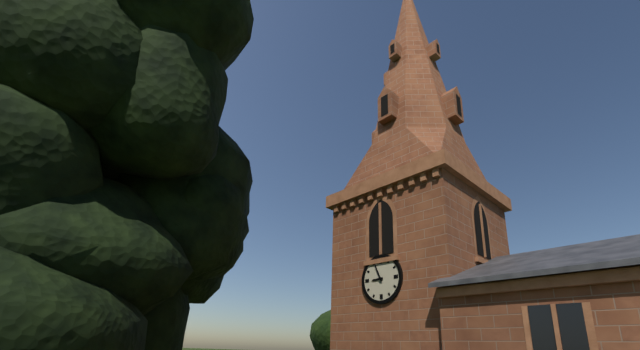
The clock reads h=8 m=56
